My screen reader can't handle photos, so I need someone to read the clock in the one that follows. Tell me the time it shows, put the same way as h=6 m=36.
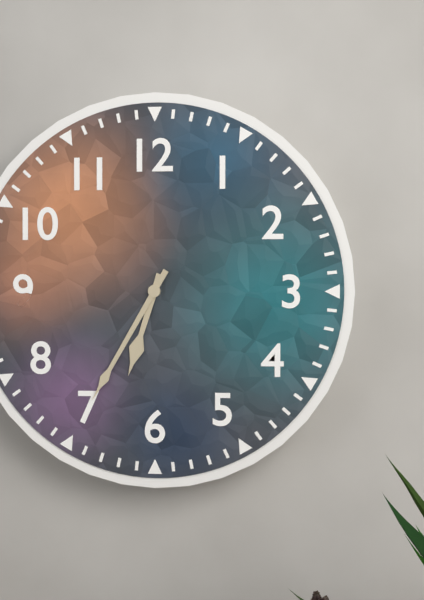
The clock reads h=6 m=35
